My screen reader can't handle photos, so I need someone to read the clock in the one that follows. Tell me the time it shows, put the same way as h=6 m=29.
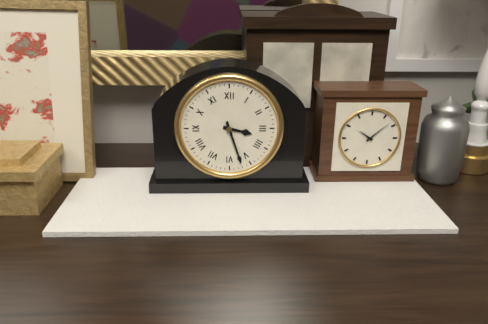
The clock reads h=3 m=27
